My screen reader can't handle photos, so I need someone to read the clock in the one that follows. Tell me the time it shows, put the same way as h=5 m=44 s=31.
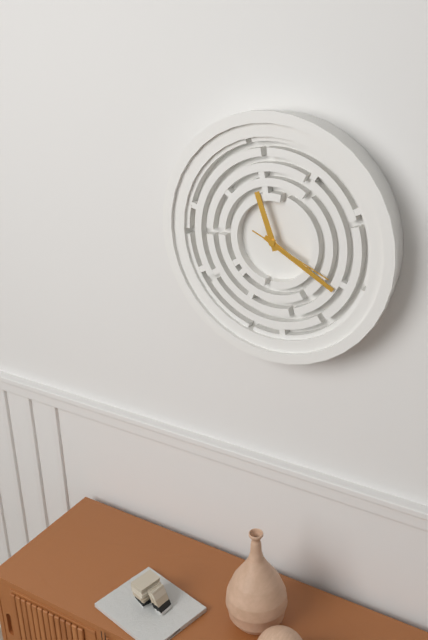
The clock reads h=11 m=20 s=19
